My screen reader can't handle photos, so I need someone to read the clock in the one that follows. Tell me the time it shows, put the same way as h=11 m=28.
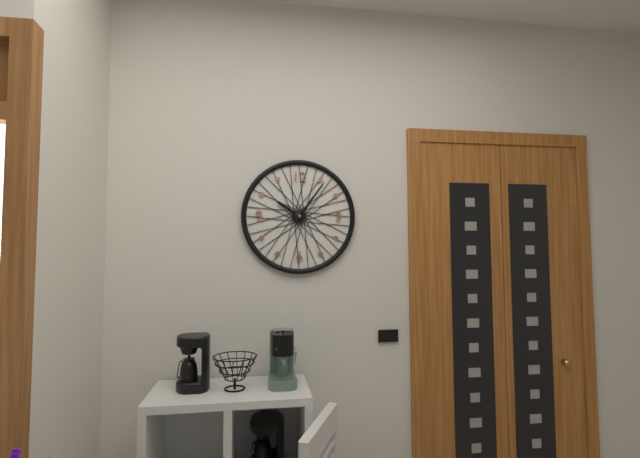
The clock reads h=10 m=6
